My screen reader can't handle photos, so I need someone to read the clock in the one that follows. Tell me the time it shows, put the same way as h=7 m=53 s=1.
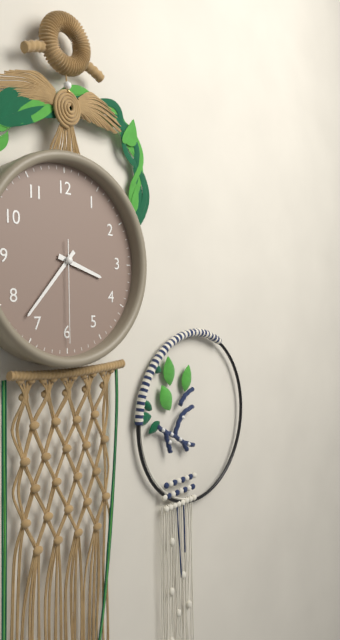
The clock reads h=3 m=37 s=30
